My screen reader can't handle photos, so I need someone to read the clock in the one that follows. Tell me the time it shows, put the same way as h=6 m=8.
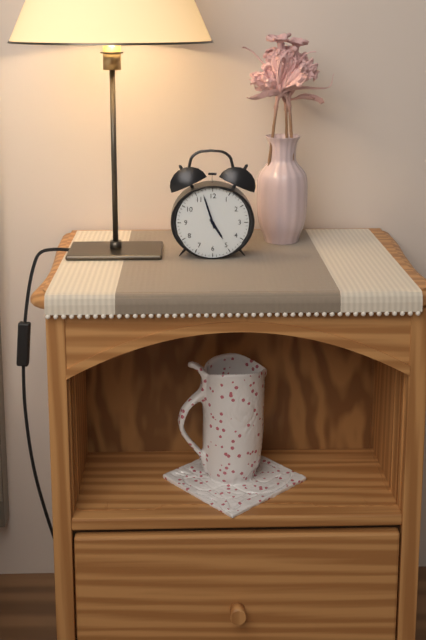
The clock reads h=4 m=57
